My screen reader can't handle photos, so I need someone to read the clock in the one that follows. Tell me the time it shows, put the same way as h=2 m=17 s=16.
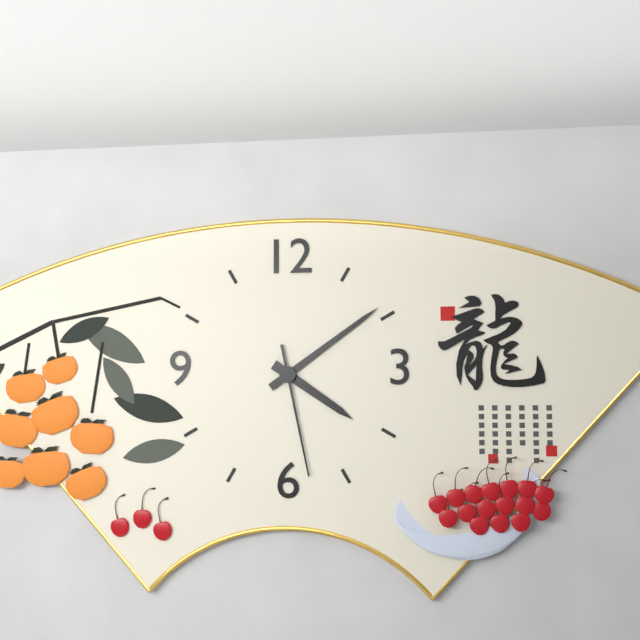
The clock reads h=4 m=9 s=28
